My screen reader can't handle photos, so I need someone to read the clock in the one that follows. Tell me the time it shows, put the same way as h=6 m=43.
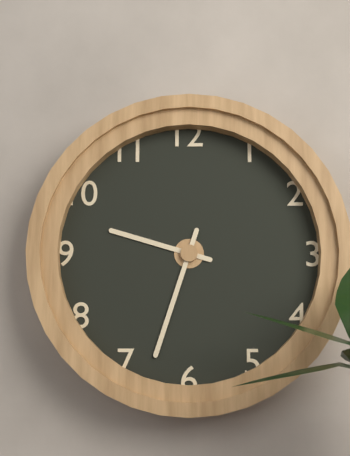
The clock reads h=9 m=33
